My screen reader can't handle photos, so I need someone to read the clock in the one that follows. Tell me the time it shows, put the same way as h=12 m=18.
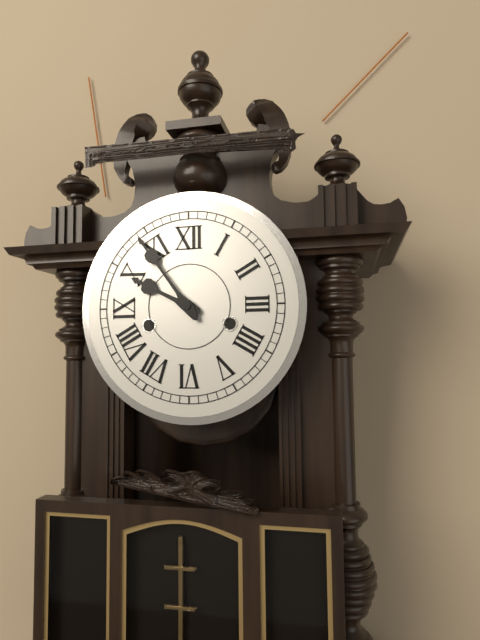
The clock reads h=9 m=54
